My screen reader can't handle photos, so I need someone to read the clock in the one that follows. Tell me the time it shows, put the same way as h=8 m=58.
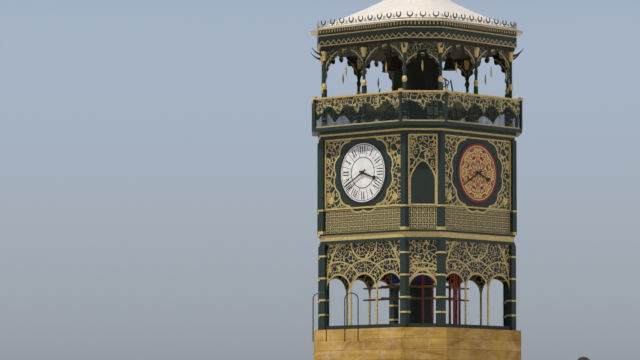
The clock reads h=3 m=40
